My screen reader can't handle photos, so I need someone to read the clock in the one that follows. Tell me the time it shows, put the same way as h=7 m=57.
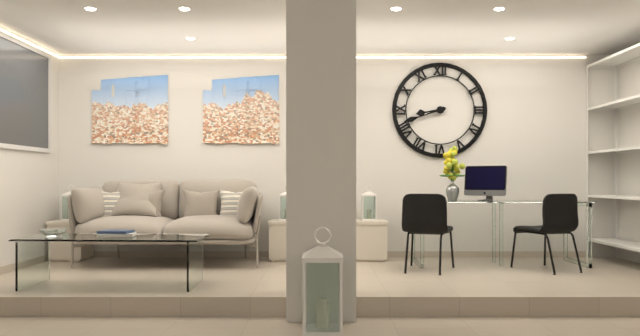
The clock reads h=8 m=42
